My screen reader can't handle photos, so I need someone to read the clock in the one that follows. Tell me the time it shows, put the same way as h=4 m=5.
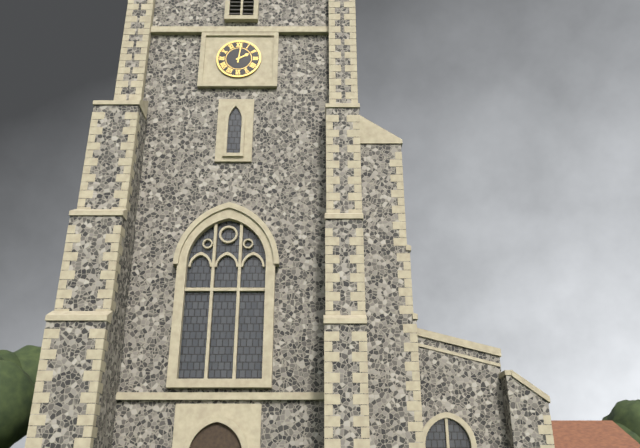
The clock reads h=2 m=1
